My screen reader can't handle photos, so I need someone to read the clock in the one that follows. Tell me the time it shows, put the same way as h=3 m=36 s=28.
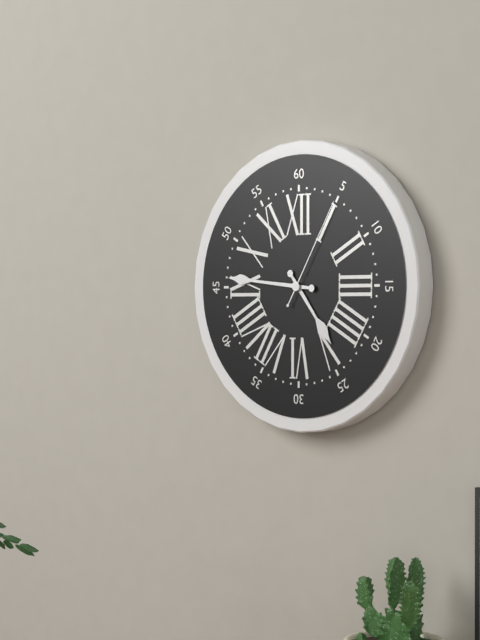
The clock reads h=4 m=46 s=5
